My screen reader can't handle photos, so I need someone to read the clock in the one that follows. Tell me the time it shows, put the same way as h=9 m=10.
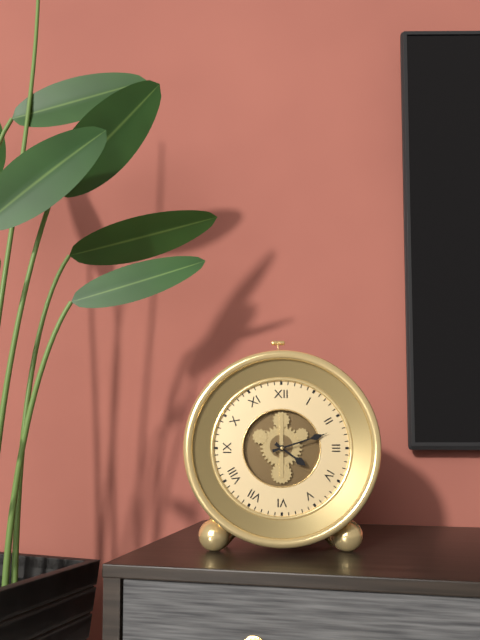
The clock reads h=4 m=12
